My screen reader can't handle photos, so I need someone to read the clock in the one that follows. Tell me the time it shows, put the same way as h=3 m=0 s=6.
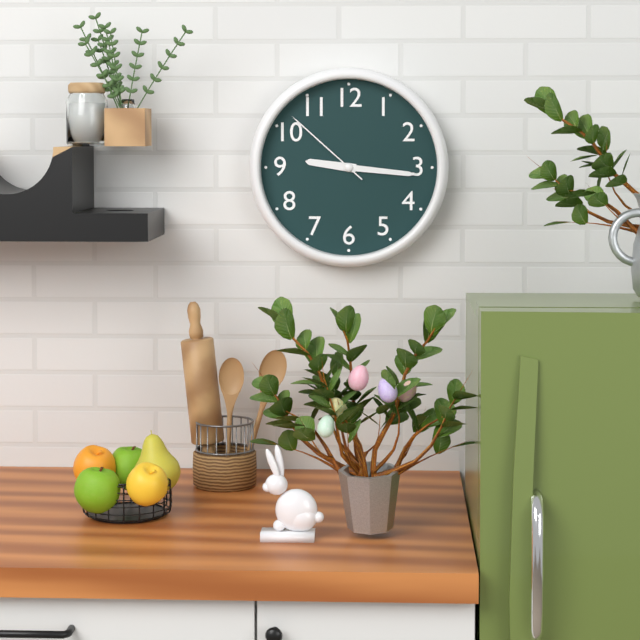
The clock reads h=9 m=16 s=52
